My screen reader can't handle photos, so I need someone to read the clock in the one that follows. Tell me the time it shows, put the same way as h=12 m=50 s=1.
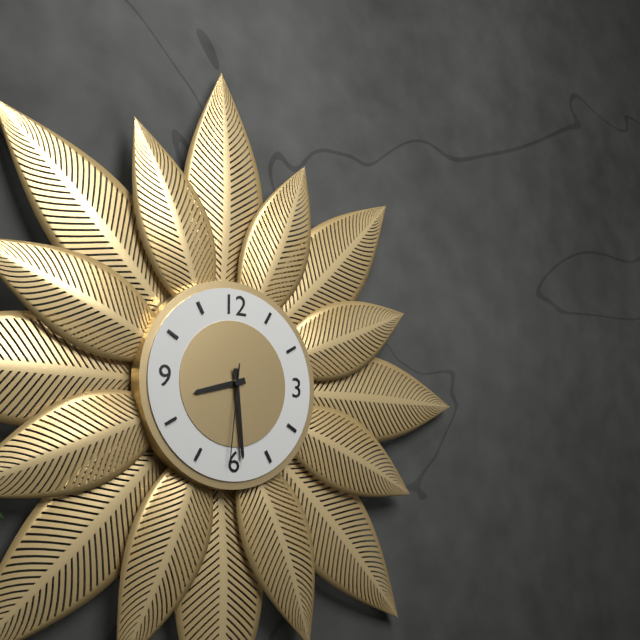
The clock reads h=8 m=29 s=31
